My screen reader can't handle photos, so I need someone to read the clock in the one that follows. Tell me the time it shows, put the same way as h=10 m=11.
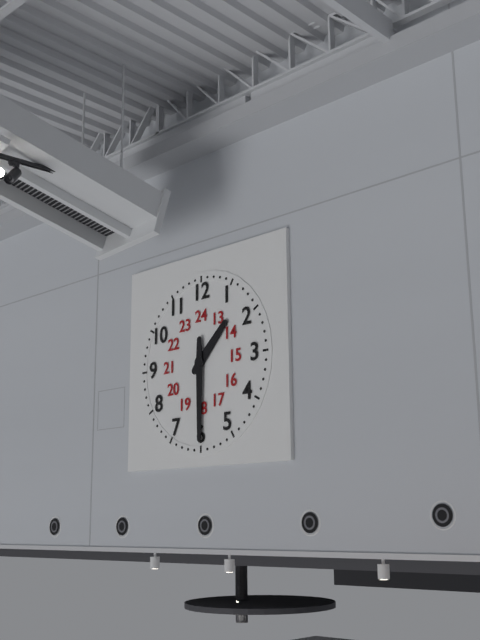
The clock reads h=1 m=30
